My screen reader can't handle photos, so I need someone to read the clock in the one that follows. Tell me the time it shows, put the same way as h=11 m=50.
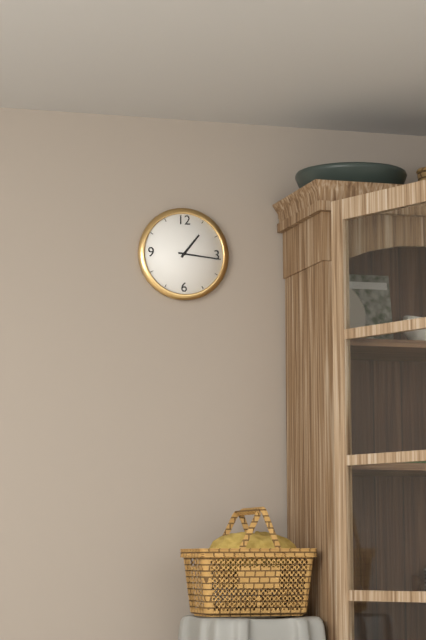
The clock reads h=1 m=16
